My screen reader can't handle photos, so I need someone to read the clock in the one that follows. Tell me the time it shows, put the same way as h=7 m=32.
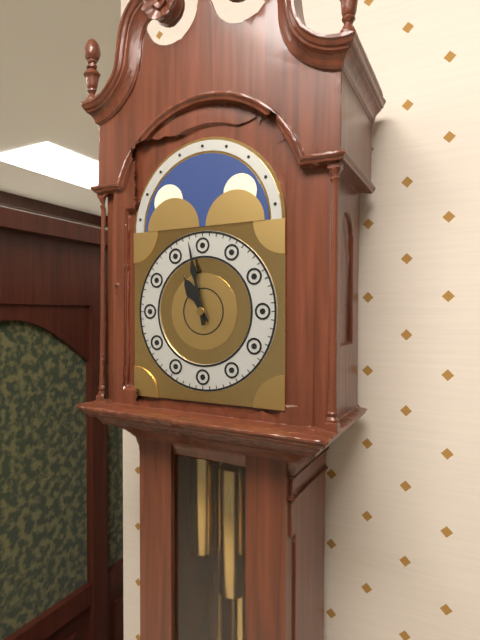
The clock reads h=10 m=58
